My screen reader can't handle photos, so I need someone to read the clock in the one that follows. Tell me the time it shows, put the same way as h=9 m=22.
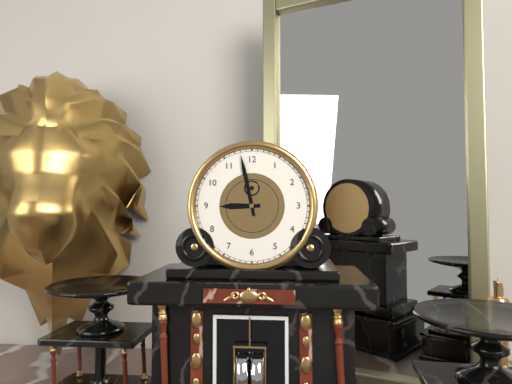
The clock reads h=8 m=58
